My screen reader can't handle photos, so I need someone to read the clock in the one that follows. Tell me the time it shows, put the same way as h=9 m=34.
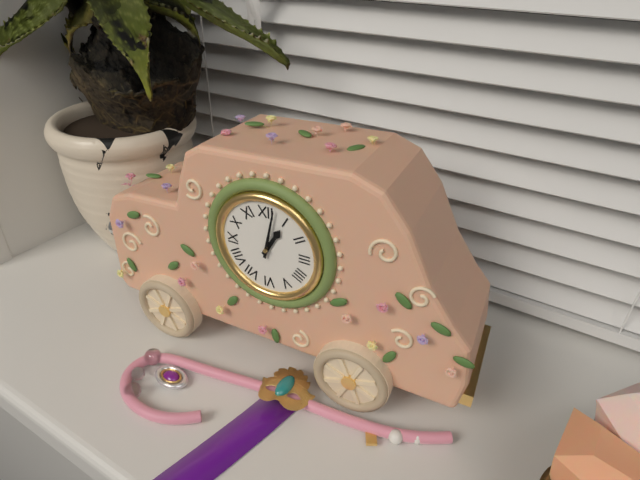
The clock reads h=1 m=2
